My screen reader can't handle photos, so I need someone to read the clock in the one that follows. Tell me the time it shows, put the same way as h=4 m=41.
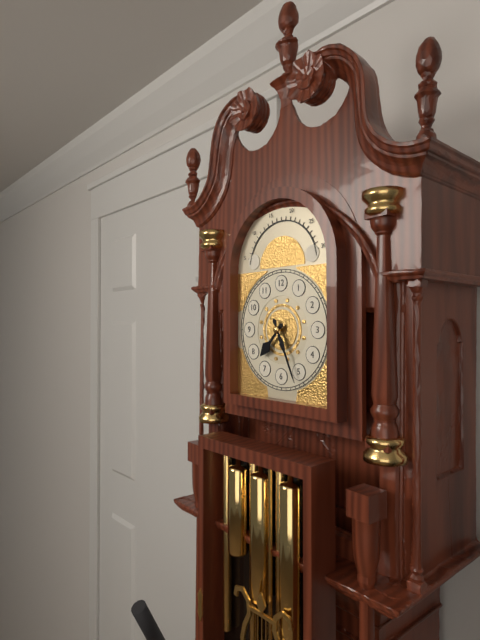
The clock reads h=7 m=26
